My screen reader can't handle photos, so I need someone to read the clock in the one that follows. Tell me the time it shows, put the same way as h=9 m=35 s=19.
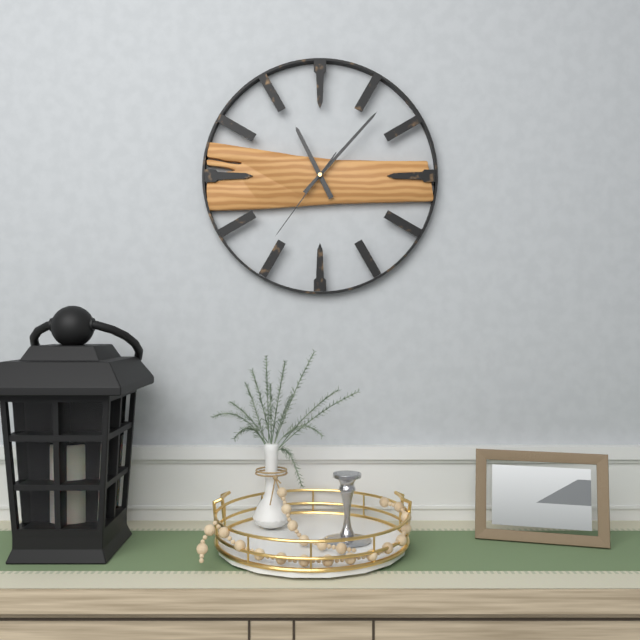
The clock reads h=11 m=7 s=36
